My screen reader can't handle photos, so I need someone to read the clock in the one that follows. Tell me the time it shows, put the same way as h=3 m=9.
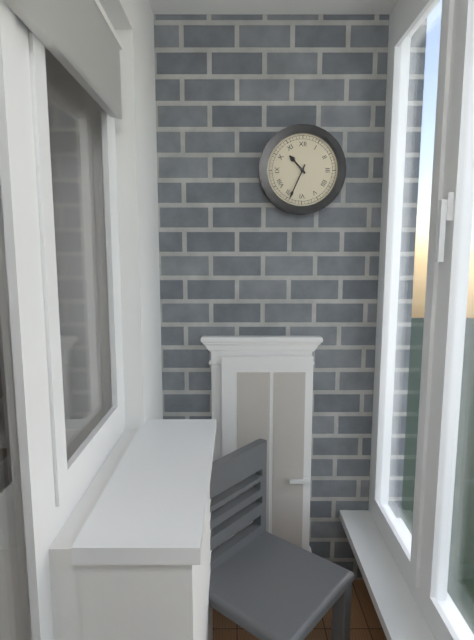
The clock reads h=10 m=34
